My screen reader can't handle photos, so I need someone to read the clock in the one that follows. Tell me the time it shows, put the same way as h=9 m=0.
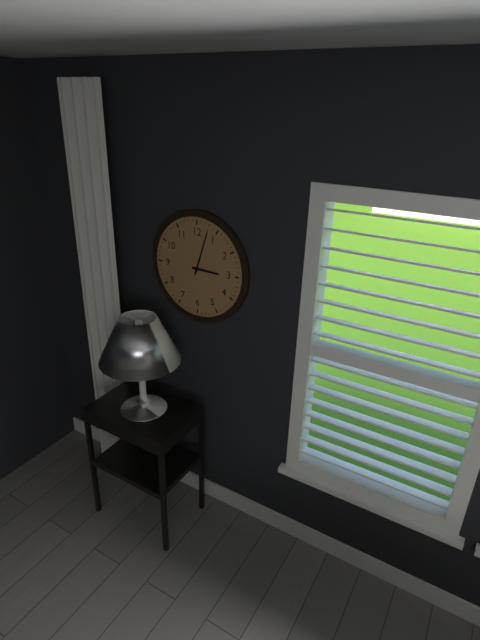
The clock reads h=3 m=3
